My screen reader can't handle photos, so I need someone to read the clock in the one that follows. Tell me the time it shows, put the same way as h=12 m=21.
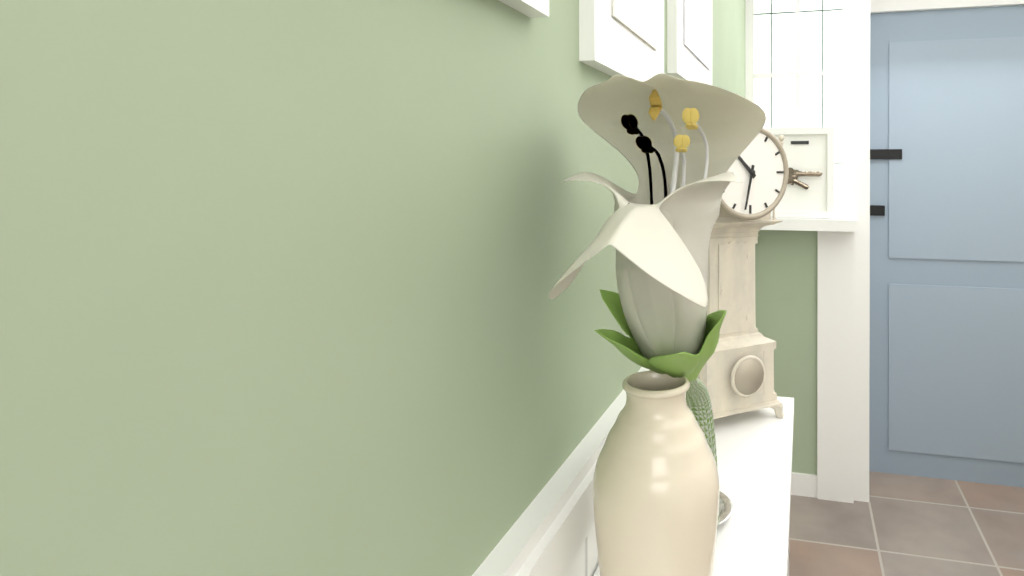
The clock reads h=10 m=32
